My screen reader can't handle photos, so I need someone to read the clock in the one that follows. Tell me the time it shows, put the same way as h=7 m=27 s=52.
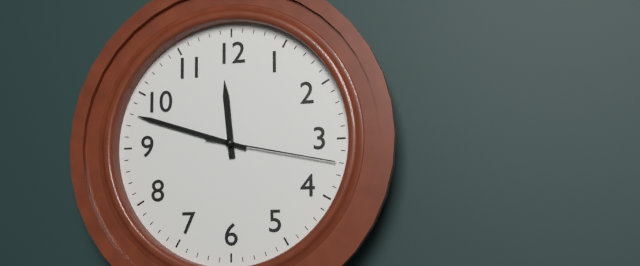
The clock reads h=11 m=48 s=17
